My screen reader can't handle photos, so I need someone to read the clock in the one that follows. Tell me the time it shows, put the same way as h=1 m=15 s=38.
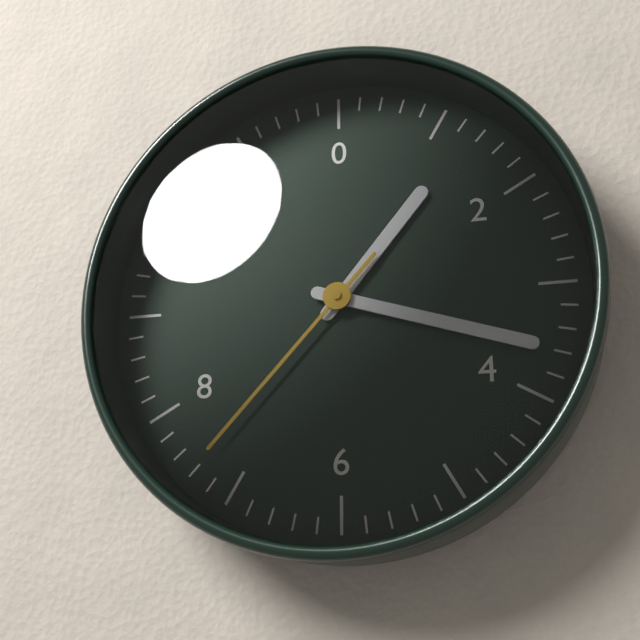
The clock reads h=1 m=18 s=37
